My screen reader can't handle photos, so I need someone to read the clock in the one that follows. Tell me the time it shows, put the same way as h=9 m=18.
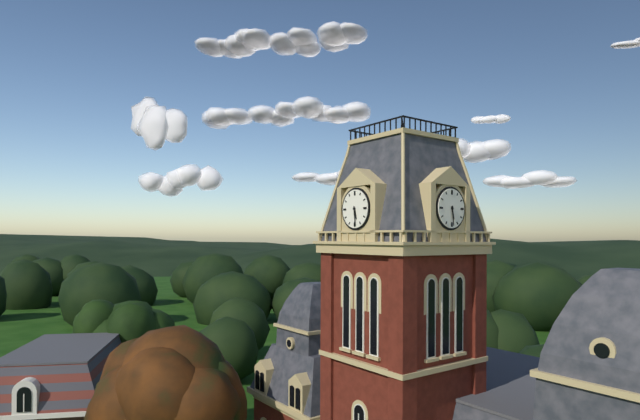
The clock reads h=5 m=29
